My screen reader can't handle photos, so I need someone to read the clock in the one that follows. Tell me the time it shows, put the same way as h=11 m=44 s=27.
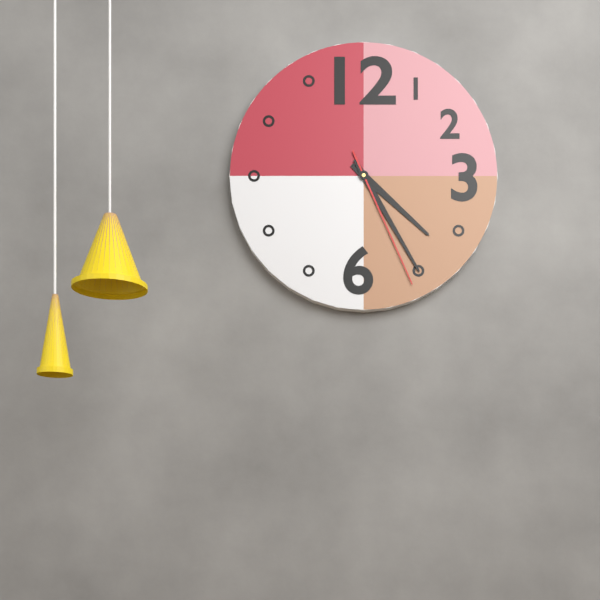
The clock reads h=4 m=25 s=26
